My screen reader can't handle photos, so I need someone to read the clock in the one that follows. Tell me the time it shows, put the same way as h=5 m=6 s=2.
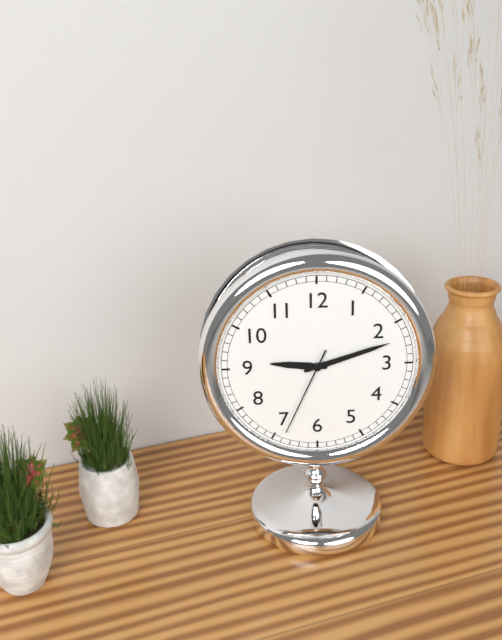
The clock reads h=9 m=12 s=34
